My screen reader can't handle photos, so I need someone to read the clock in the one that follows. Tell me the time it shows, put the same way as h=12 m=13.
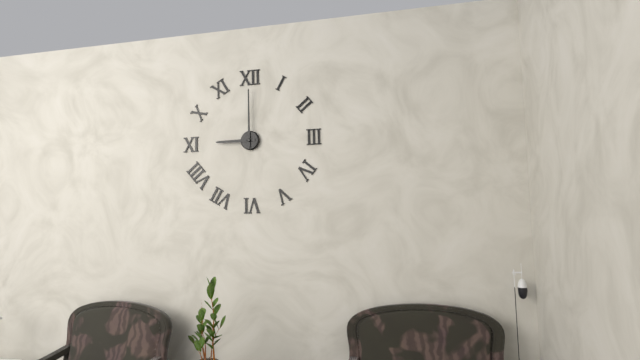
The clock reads h=9 m=0
